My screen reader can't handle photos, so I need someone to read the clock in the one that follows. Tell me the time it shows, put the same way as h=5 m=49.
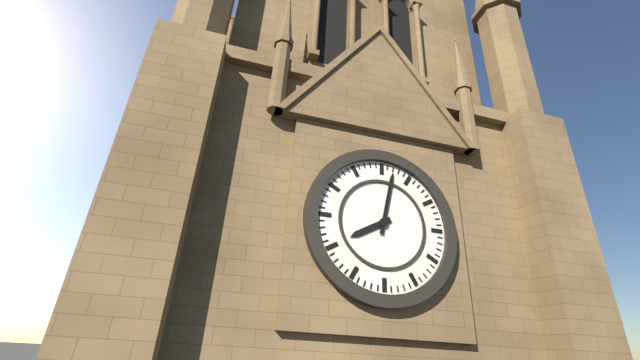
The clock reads h=8 m=2
